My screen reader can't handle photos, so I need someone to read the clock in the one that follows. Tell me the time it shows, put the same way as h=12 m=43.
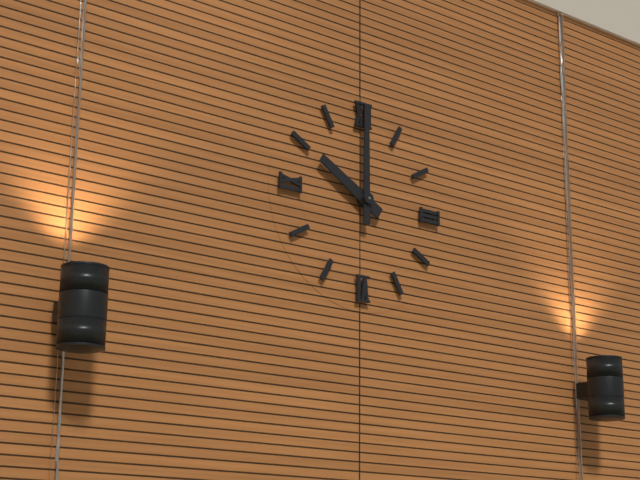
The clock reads h=10 m=0
